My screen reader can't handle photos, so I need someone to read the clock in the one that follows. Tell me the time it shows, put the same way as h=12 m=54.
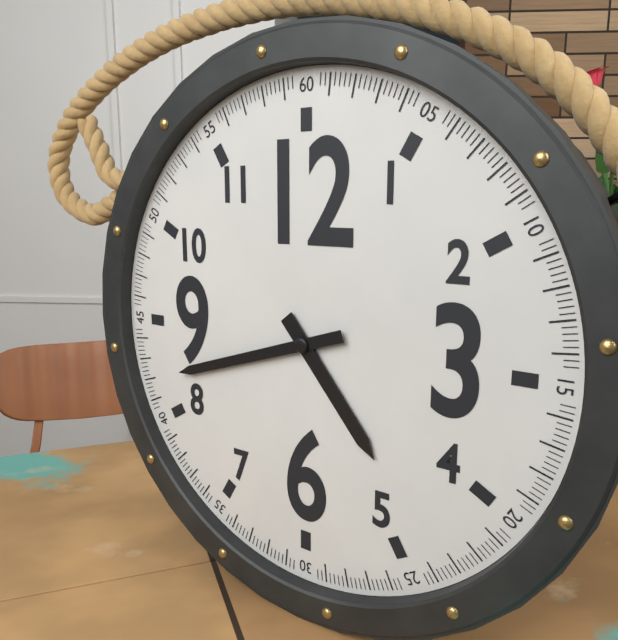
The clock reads h=4 m=42
